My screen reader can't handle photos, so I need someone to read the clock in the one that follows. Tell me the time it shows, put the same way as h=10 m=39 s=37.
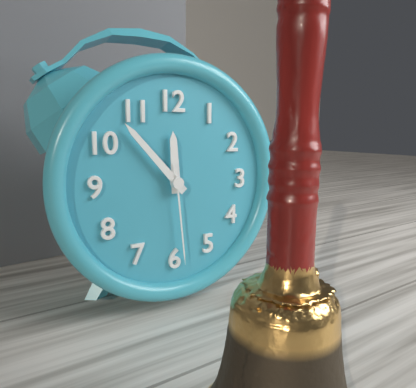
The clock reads h=11 m=53 s=29
